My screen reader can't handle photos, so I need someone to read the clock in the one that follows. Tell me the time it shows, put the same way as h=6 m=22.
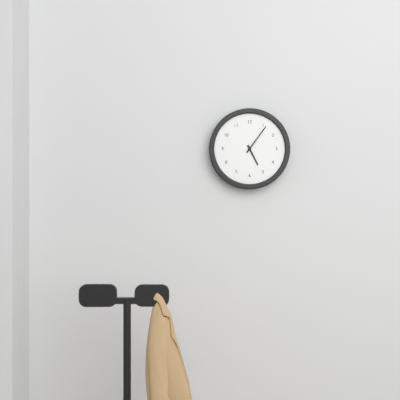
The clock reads h=5 m=6
